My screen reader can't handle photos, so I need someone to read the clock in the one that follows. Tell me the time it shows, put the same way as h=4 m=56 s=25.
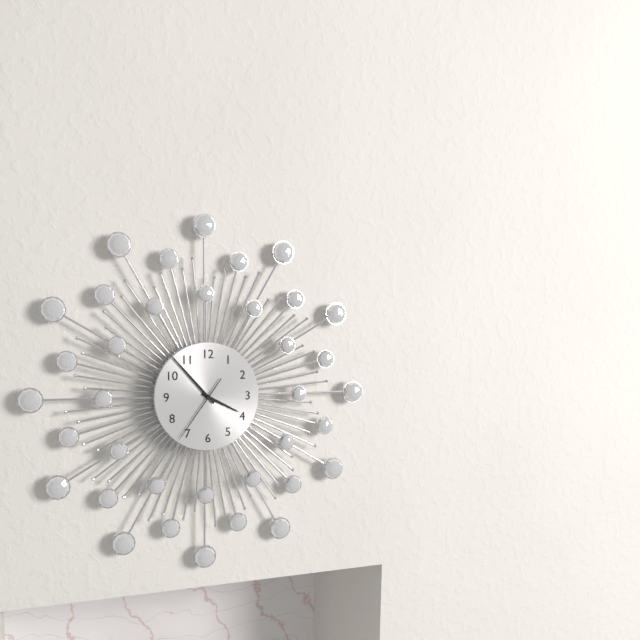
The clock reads h=3 m=53 s=36
